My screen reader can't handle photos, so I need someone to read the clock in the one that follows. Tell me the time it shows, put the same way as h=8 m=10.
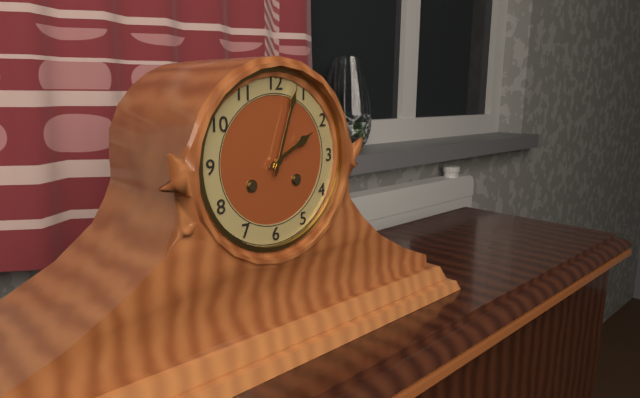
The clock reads h=2 m=3
